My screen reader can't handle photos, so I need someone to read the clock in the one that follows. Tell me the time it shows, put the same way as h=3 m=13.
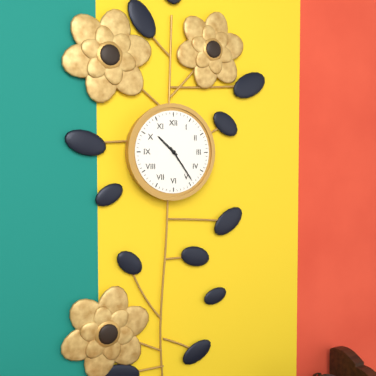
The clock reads h=10 m=24
